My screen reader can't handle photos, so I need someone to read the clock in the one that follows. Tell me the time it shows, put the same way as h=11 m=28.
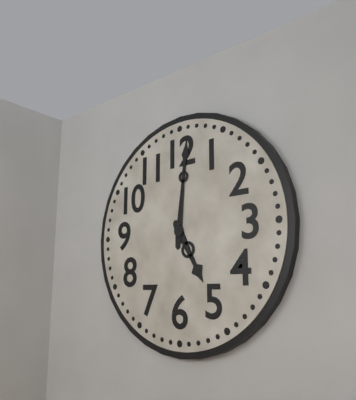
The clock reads h=5 m=1
